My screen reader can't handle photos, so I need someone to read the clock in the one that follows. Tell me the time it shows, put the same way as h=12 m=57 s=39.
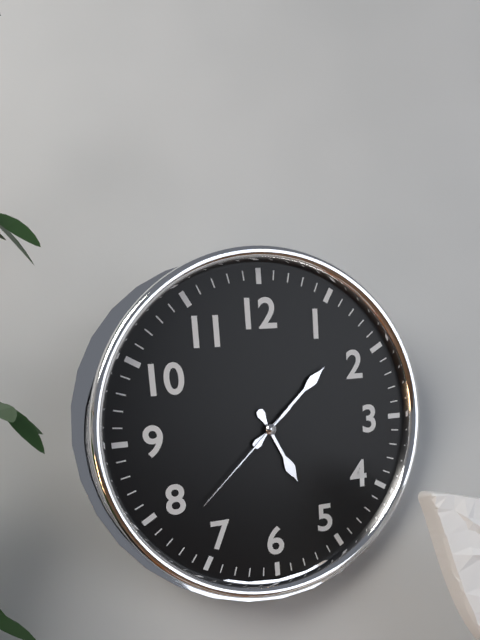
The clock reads h=5 m=8 s=38
